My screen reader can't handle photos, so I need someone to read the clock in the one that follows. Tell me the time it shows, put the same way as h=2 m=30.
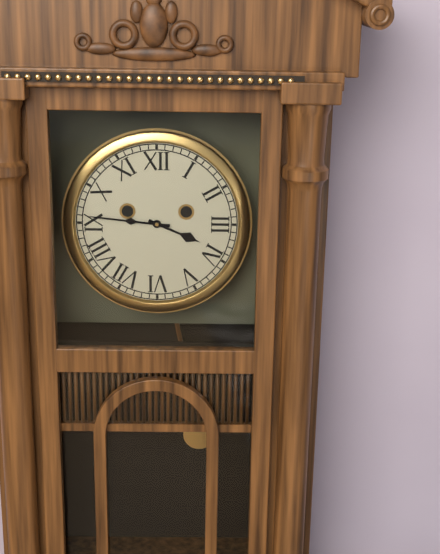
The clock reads h=3 m=46
